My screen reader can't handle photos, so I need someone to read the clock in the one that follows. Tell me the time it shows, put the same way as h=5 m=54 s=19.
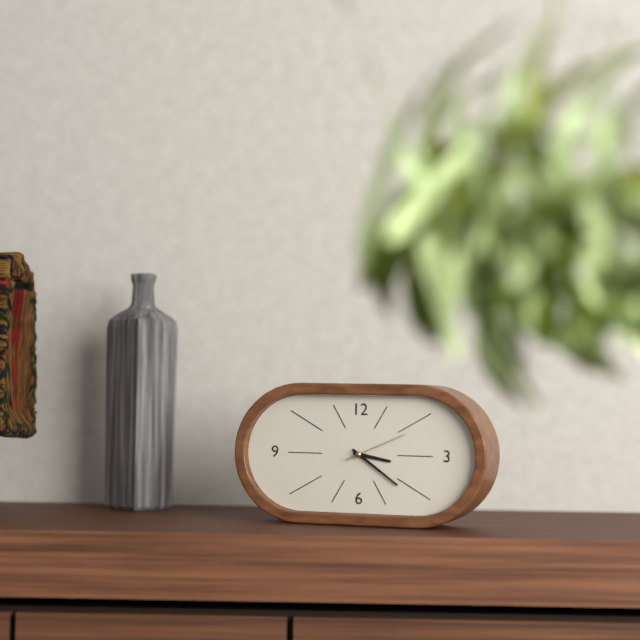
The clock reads h=3 m=21 s=11
